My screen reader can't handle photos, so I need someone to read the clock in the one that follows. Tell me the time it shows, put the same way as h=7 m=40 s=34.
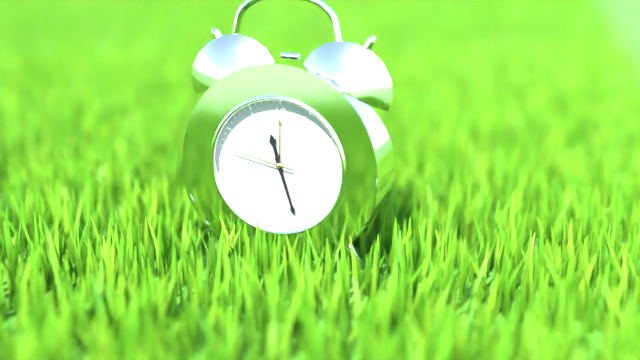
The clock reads h=11 m=27 s=47
